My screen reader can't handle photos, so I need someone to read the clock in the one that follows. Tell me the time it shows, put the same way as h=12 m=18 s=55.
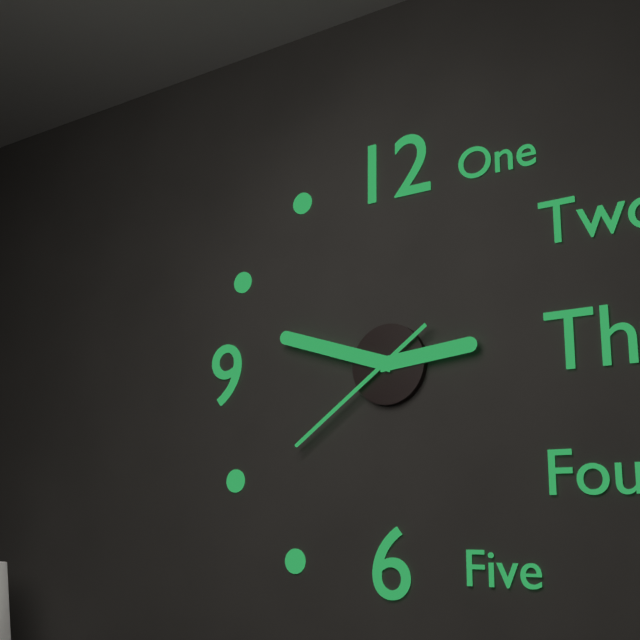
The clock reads h=2 m=48 s=39
